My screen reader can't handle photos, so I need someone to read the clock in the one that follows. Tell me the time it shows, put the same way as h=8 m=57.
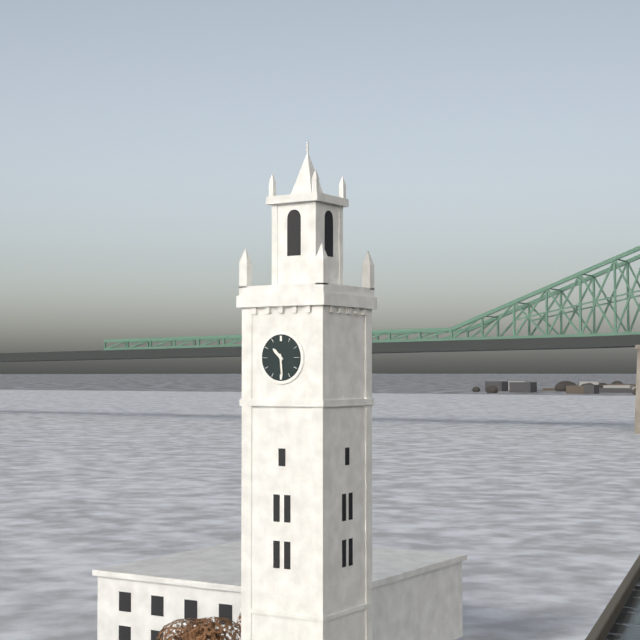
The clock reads h=10 m=29
